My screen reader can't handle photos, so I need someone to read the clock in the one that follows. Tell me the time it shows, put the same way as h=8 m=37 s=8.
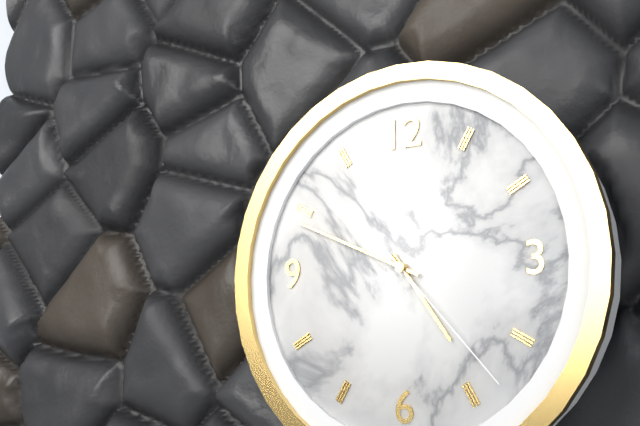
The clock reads h=4 m=49 s=23
